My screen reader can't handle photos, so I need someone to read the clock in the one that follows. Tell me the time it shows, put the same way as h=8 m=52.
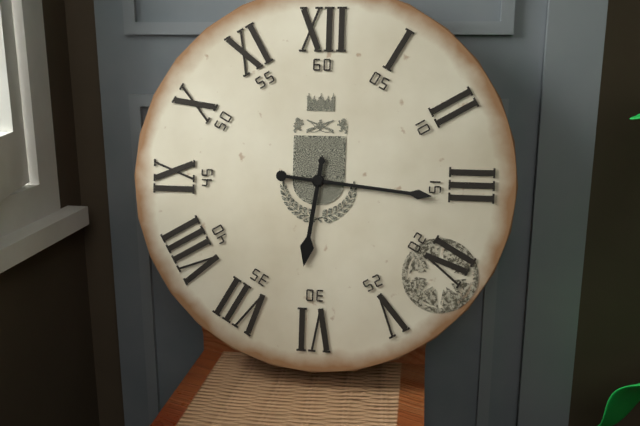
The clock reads h=6 m=16
